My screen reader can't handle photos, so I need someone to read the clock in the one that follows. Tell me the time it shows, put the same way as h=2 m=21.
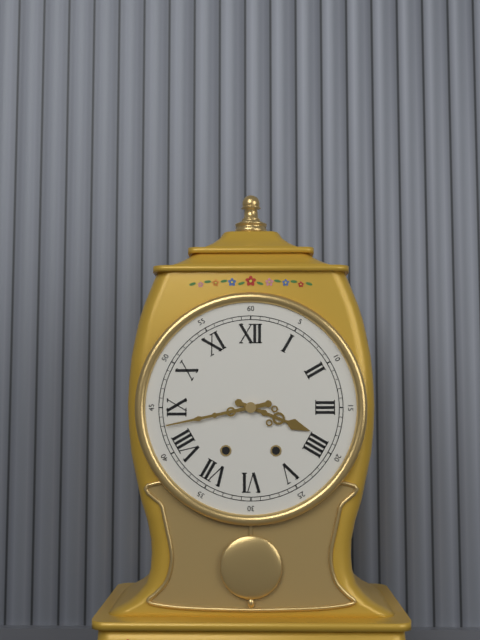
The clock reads h=3 m=43
